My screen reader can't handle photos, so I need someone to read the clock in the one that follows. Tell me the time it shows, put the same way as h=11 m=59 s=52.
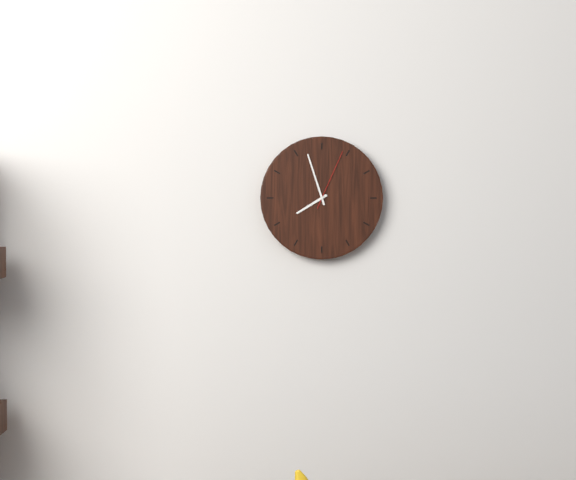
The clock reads h=7 m=57 s=4
